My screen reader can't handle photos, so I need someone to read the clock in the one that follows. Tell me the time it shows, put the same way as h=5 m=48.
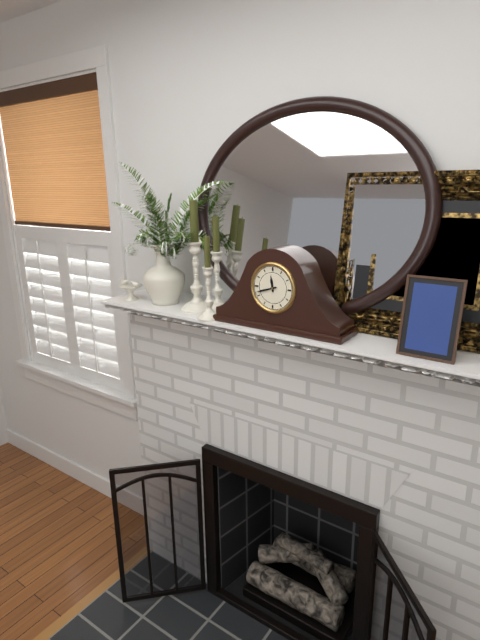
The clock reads h=11 m=42
